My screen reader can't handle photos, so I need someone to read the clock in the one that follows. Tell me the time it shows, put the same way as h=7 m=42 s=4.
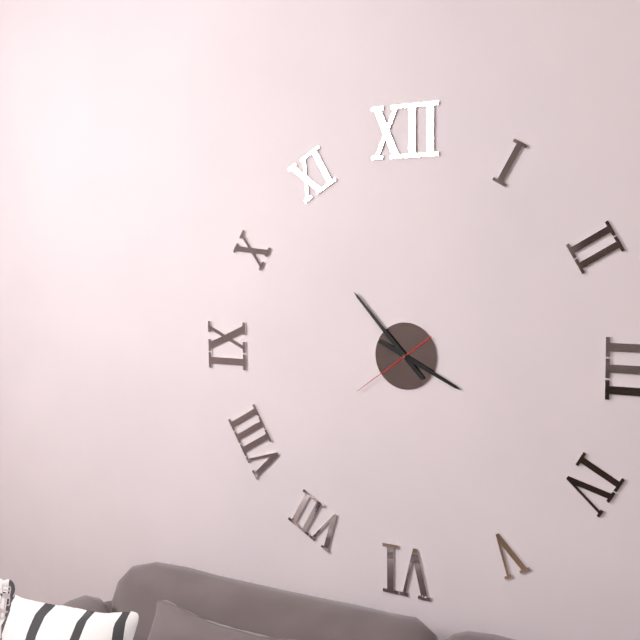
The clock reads h=3 m=53 s=39
